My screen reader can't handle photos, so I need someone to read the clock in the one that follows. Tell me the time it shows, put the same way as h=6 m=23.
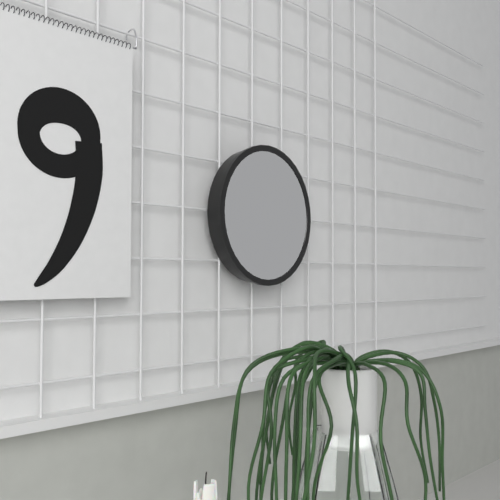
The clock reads h=1 m=39
